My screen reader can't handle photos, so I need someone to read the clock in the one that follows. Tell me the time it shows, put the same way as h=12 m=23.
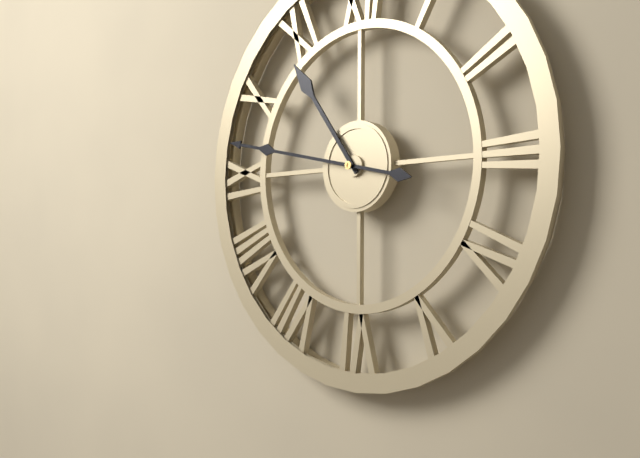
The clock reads h=10 m=47
